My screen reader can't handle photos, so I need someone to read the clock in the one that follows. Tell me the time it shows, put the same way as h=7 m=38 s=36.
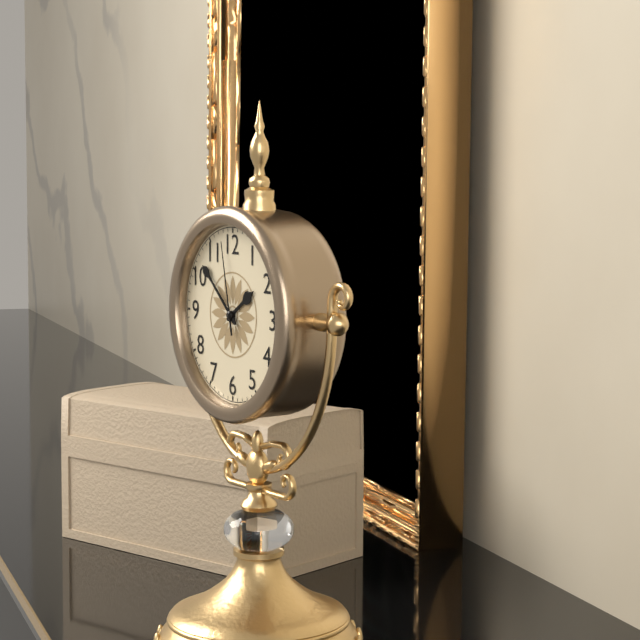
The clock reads h=1 m=52 s=58
